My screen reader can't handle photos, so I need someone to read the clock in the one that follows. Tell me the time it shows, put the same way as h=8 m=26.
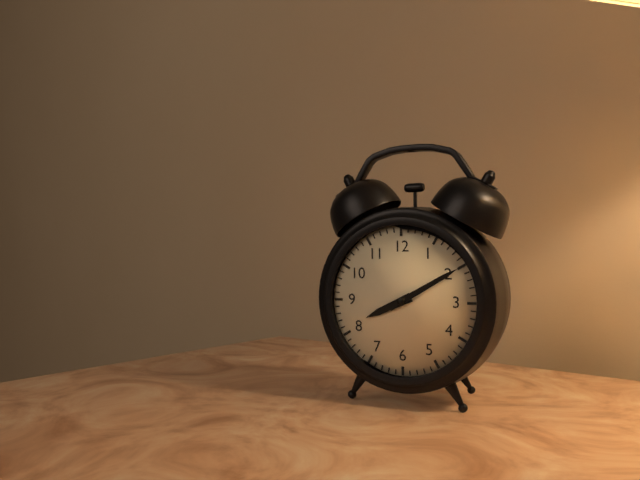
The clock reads h=8 m=10
